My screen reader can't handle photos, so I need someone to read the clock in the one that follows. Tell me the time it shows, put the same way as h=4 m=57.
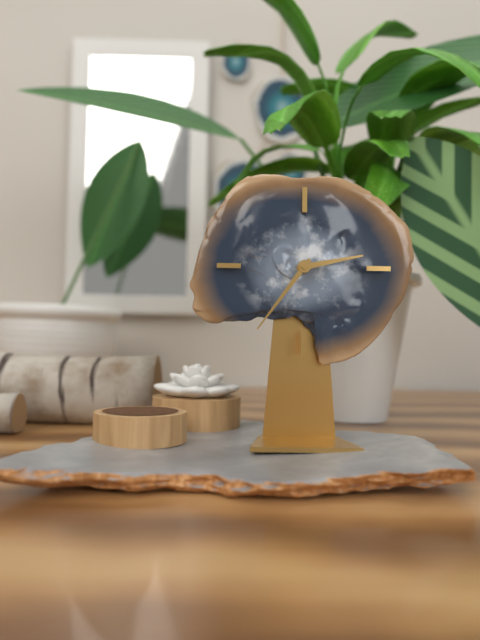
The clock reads h=2 m=36
